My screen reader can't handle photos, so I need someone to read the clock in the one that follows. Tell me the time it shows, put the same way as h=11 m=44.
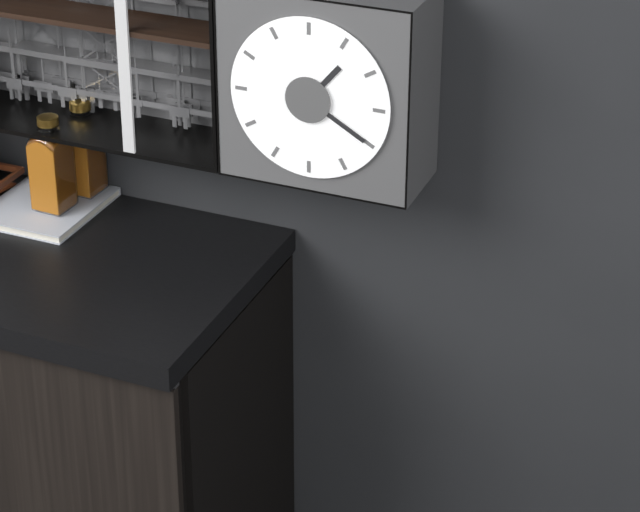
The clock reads h=1 m=20
